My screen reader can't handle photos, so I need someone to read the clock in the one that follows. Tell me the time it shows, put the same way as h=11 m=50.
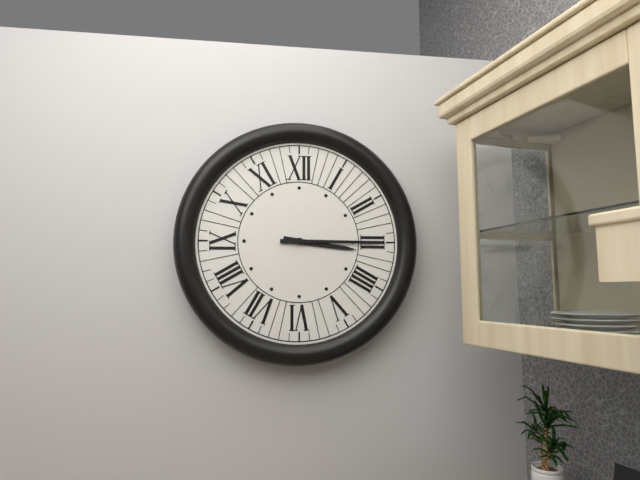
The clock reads h=3 m=15
